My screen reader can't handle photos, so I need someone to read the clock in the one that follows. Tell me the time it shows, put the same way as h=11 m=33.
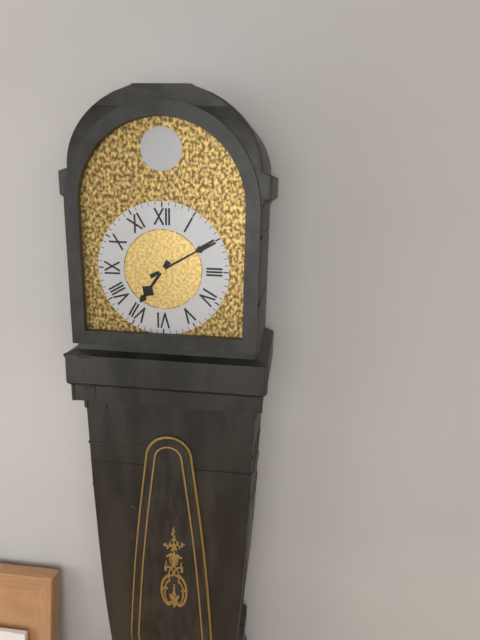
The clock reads h=7 m=10
